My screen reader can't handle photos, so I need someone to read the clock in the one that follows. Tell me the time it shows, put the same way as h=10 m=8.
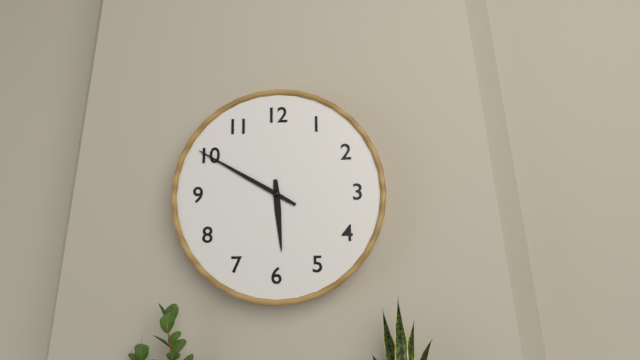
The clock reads h=5 m=50
